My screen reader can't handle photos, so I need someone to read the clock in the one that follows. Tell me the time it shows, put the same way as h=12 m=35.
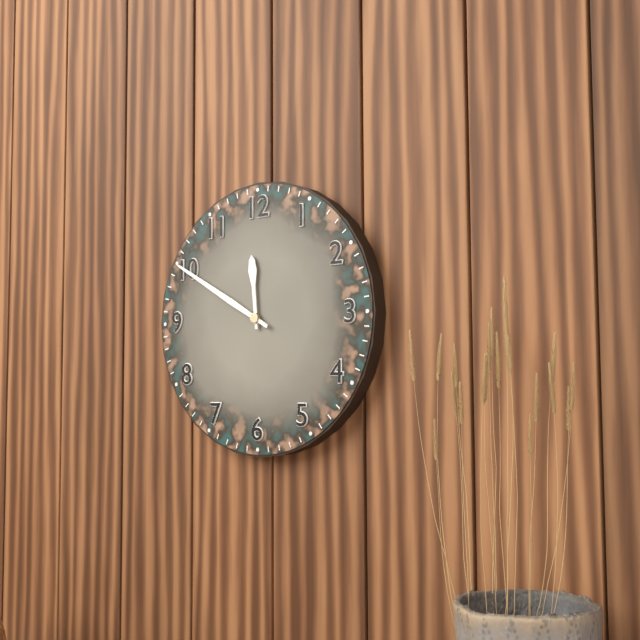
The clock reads h=11 m=50
